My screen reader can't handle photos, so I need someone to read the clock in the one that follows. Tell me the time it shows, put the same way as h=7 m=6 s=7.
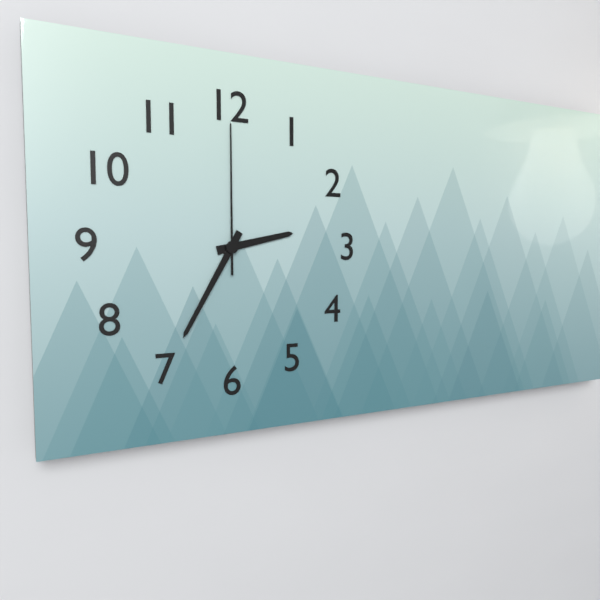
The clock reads h=2 m=35 s=0
